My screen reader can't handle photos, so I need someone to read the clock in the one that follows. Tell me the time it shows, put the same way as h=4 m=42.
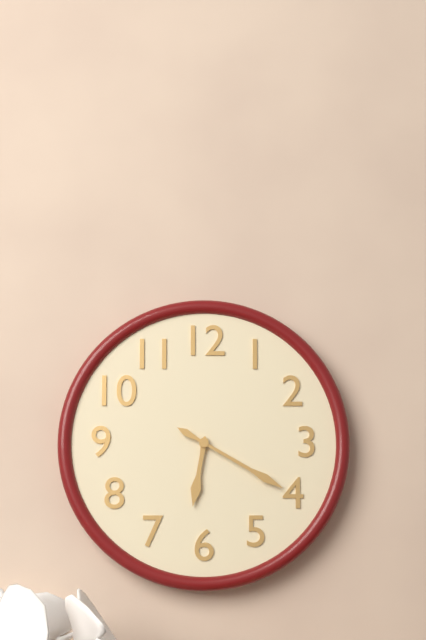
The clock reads h=6 m=20
